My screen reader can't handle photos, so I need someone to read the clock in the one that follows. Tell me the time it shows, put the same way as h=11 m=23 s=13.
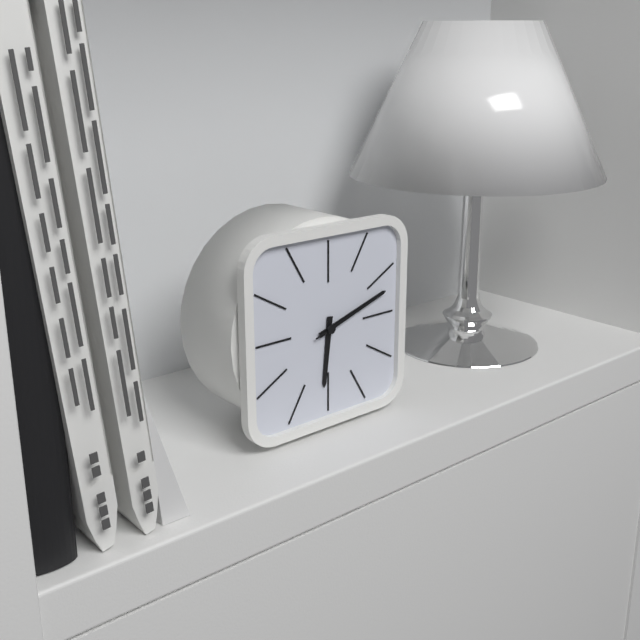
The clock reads h=6 m=12 s=12
